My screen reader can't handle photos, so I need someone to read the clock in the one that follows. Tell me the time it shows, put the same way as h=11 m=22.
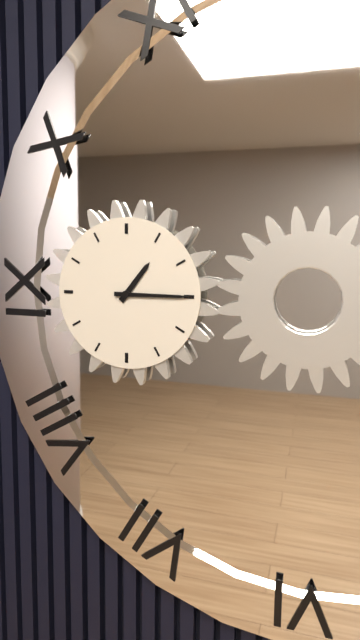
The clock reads h=1 m=15
